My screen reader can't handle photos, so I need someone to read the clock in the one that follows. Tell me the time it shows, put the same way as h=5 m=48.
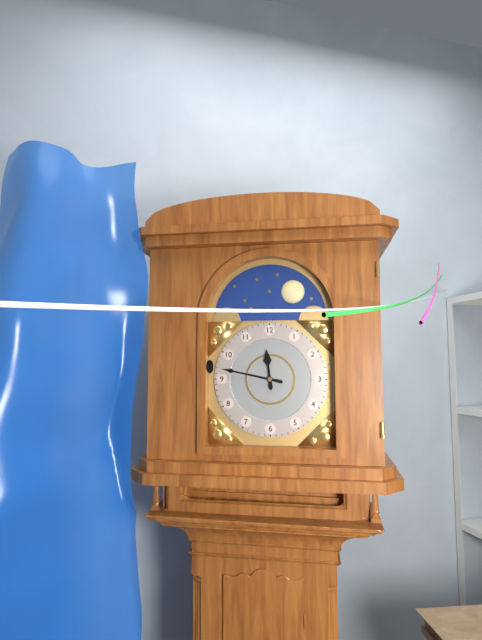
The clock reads h=11 m=47
